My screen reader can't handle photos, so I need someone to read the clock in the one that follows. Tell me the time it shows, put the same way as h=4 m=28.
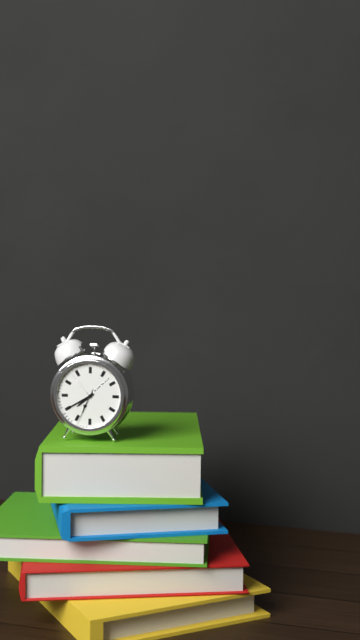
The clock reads h=7 m=40
